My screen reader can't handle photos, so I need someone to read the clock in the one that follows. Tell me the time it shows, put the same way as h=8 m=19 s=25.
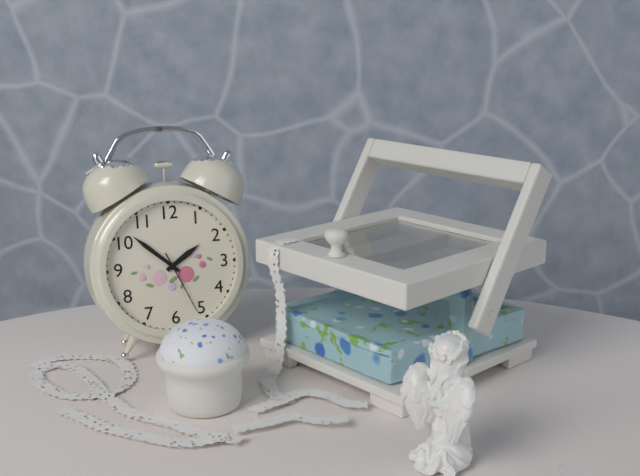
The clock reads h=1 m=52 s=26
